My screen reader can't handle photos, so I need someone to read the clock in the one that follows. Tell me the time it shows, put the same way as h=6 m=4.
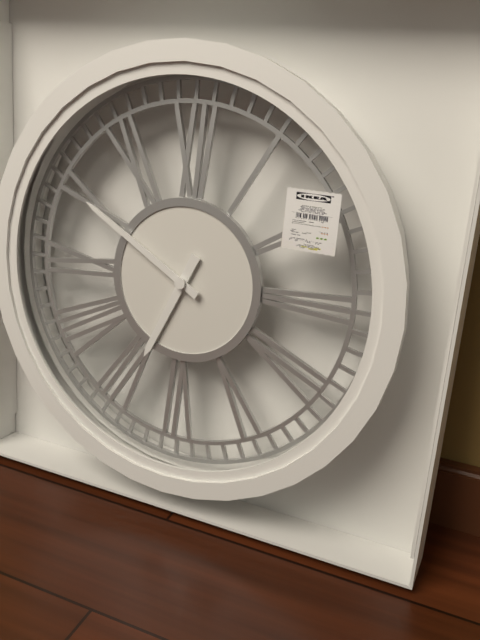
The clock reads h=6 m=50
